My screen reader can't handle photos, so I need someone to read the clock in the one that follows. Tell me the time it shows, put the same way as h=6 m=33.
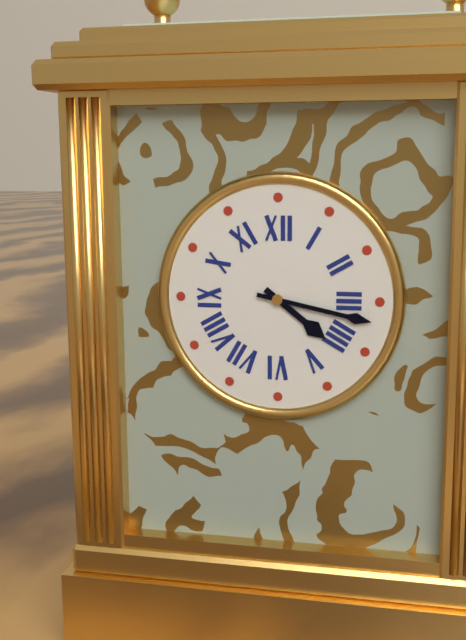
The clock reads h=4 m=17
